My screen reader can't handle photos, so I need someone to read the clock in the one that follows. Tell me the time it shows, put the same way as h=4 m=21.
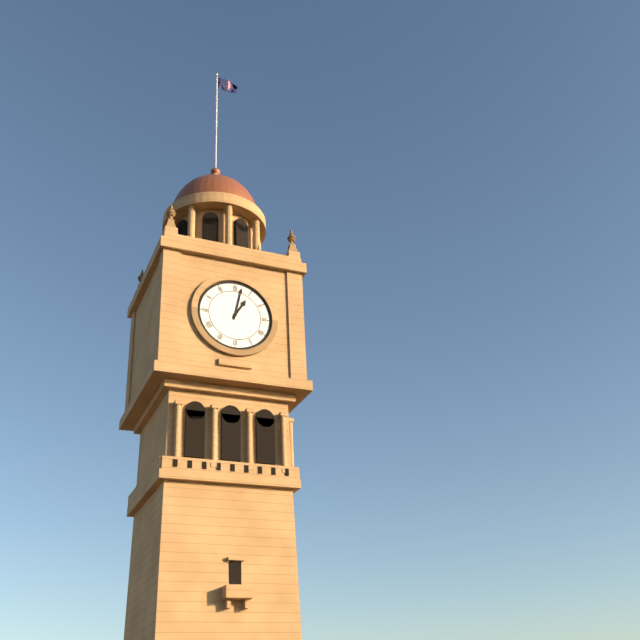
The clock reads h=1 m=2
